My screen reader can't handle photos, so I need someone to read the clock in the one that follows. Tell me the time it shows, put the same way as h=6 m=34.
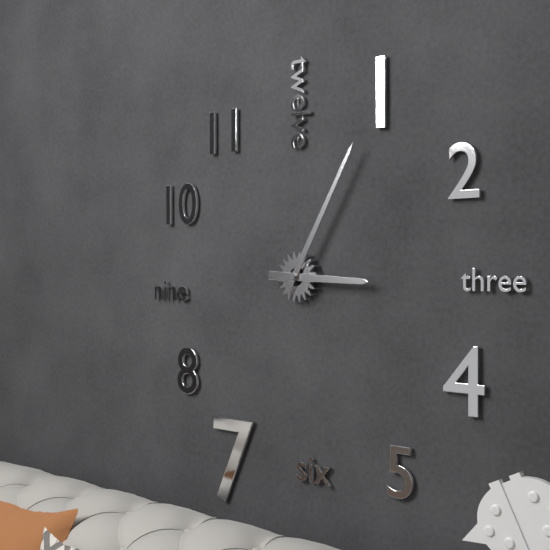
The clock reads h=3 m=5
